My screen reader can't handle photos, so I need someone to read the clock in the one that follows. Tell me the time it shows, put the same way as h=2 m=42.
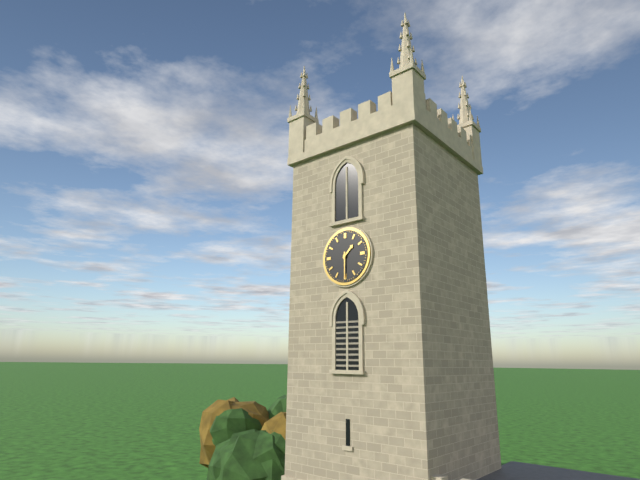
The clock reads h=1 m=30
